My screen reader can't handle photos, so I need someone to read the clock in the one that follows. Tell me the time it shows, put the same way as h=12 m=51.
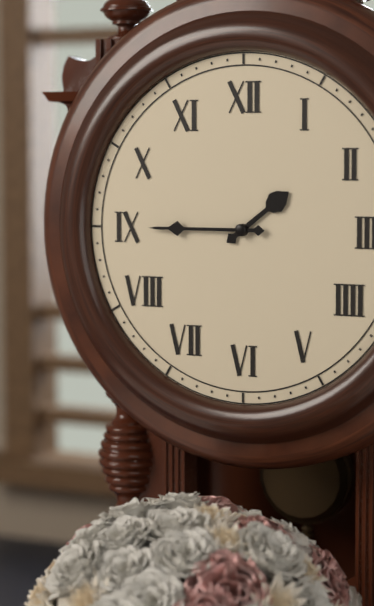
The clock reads h=1 m=45
